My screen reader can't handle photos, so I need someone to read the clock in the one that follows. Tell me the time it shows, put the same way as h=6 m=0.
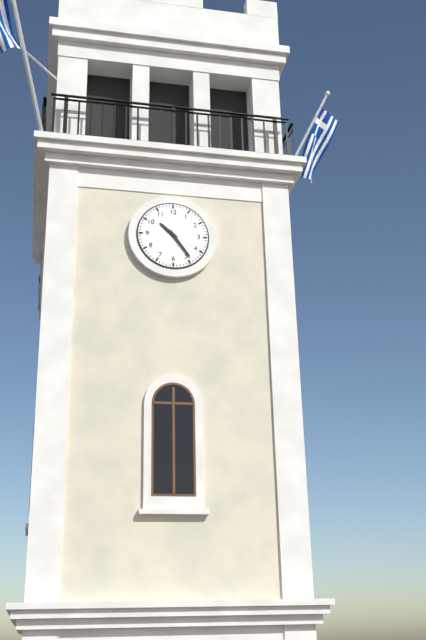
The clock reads h=10 m=24
